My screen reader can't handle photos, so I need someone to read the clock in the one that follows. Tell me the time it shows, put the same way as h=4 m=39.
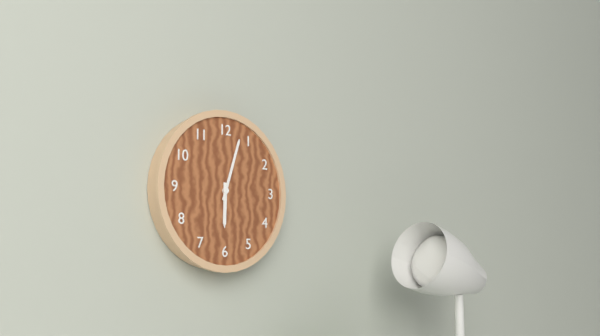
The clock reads h=6 m=3
